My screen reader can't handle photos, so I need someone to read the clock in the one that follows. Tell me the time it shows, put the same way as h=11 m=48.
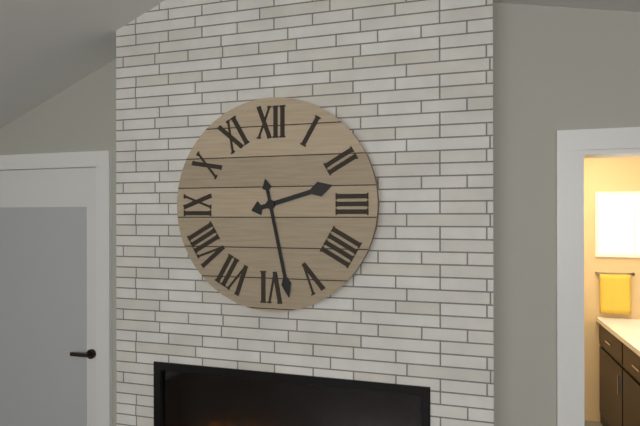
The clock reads h=2 m=28
